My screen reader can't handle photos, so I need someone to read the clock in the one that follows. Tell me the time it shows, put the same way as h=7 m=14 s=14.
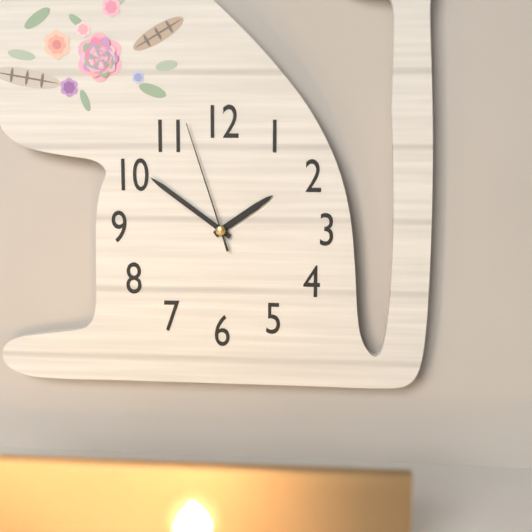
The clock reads h=1 m=51 s=57
